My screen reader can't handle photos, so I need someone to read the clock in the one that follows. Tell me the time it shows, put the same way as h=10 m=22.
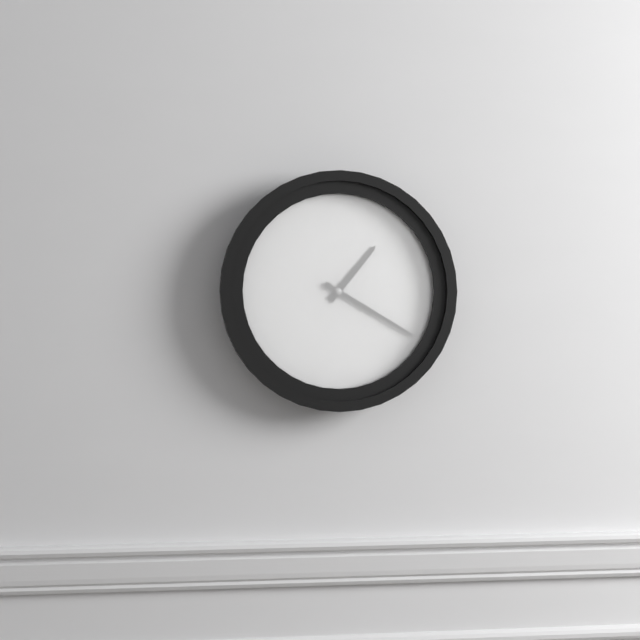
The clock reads h=1 m=20
